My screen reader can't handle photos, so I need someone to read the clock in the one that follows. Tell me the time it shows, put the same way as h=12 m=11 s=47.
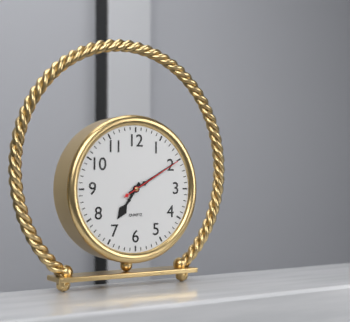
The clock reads h=7 m=10 s=10
